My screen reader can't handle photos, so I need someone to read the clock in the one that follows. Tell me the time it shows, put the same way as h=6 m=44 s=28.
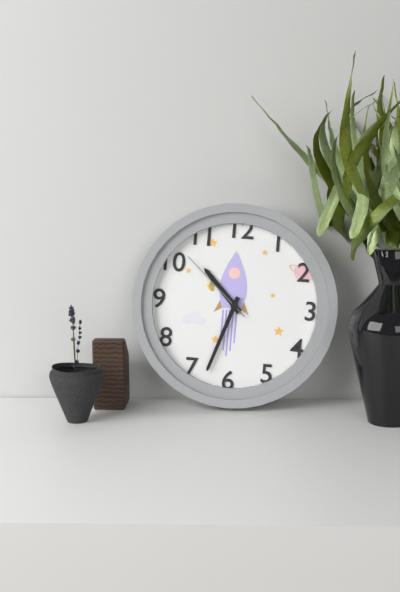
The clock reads h=10 m=33 s=52
